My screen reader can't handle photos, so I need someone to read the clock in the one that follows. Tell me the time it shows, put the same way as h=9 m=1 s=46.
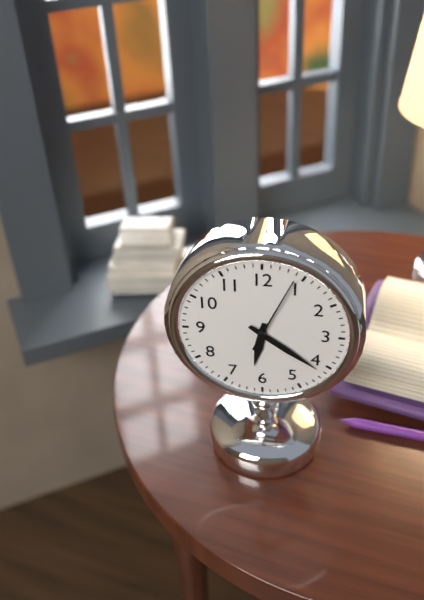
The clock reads h=6 m=21 s=4
